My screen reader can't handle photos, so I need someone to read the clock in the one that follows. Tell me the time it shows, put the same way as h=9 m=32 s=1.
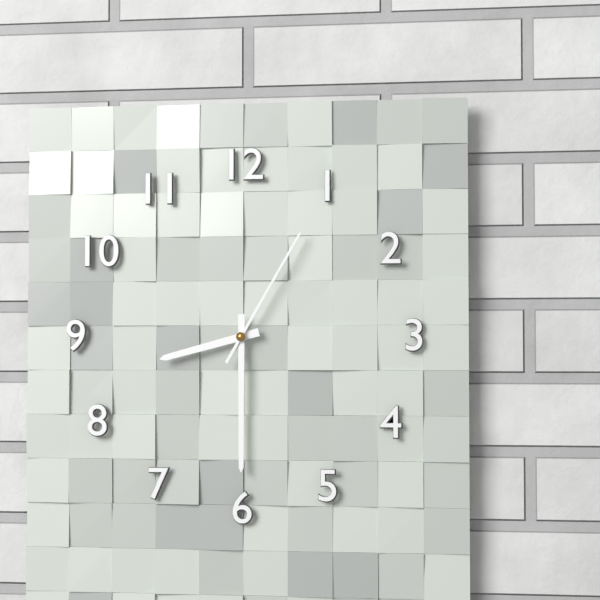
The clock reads h=8 m=30 s=5
